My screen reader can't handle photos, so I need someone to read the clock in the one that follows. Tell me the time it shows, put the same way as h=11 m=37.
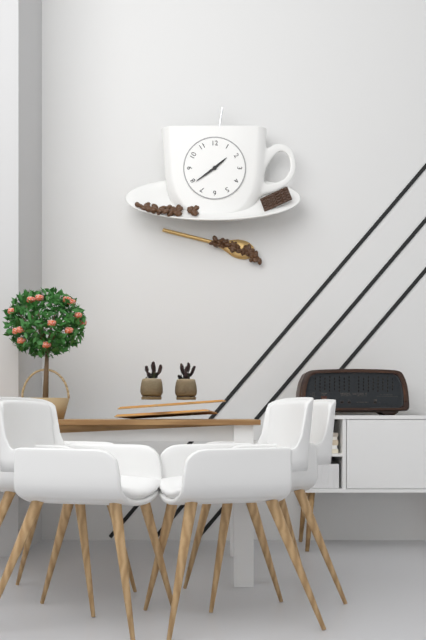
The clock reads h=1 m=39
